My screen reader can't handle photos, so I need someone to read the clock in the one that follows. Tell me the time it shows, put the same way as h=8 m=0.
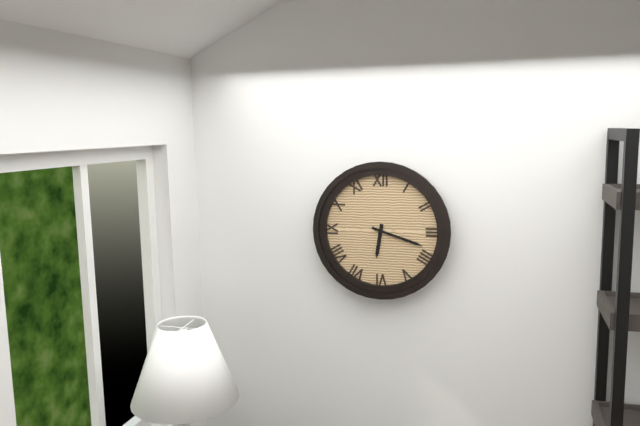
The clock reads h=6 m=18
